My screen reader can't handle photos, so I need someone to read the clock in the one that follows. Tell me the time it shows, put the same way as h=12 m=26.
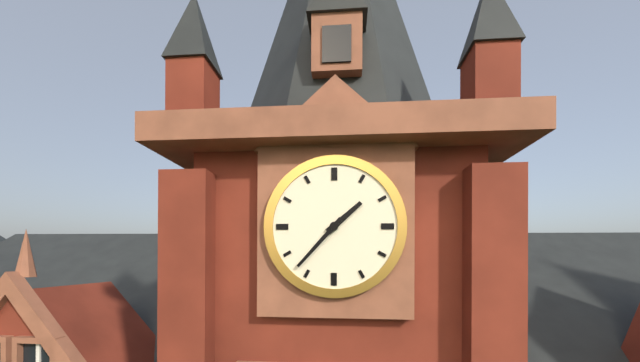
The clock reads h=1 m=37
